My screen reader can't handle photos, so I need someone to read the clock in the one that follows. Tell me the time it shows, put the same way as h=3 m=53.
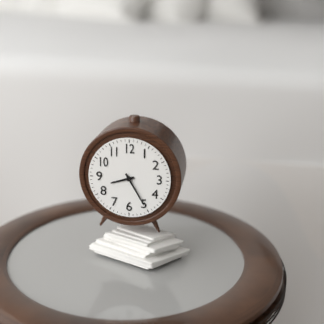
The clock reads h=8 m=25
